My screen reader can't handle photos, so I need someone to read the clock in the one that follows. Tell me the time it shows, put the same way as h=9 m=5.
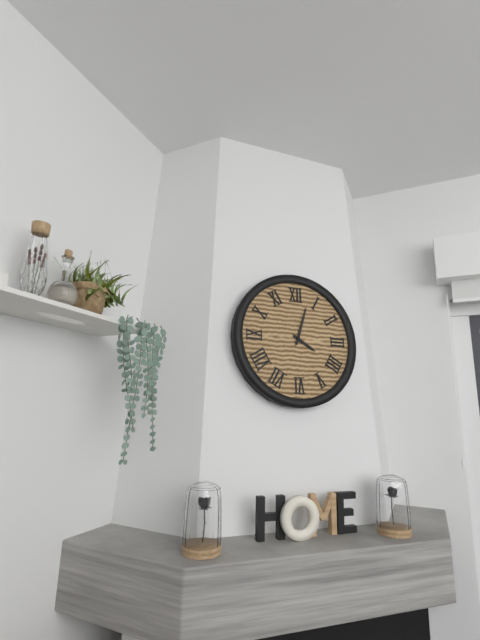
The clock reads h=4 m=3
